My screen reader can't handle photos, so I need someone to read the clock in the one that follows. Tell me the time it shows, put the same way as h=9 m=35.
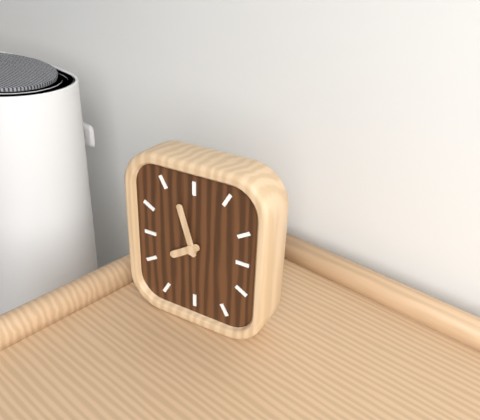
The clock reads h=7 m=57
